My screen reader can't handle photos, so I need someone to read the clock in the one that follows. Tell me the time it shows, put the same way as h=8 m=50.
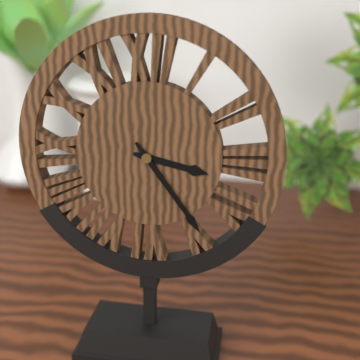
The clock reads h=3 m=24
